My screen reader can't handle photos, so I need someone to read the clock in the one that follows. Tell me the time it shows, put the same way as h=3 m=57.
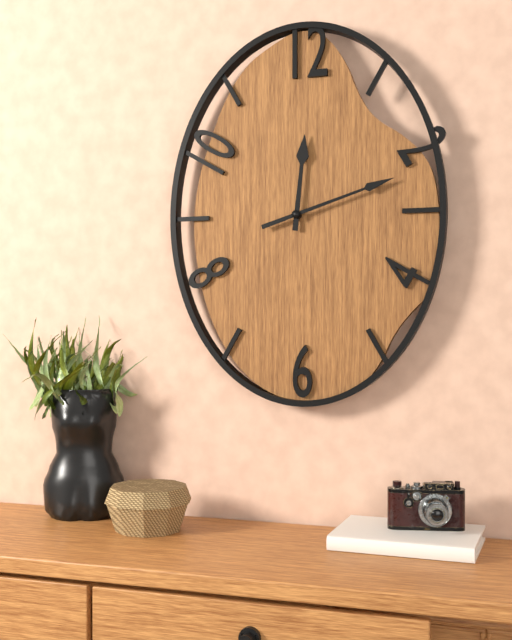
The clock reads h=12 m=12
